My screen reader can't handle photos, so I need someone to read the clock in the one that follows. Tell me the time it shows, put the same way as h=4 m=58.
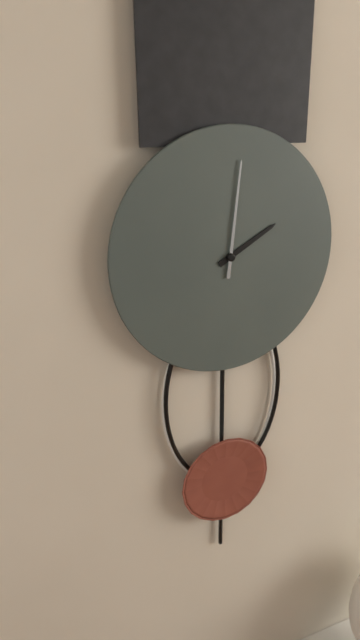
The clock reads h=2 m=1
